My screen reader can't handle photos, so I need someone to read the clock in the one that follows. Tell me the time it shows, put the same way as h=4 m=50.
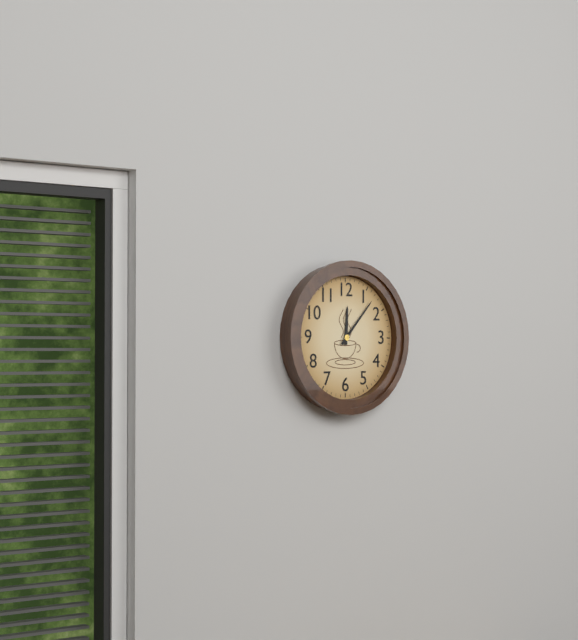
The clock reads h=12 m=7
